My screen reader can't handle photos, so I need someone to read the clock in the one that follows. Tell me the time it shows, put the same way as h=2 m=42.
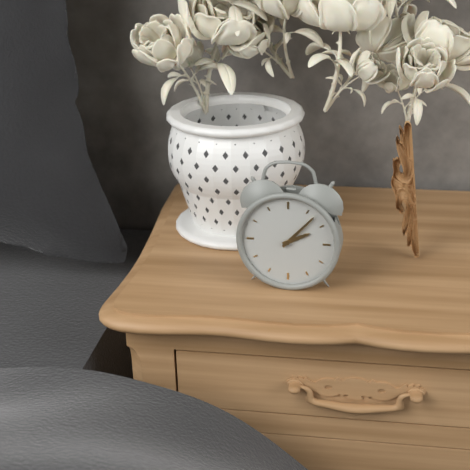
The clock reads h=2 m=7
